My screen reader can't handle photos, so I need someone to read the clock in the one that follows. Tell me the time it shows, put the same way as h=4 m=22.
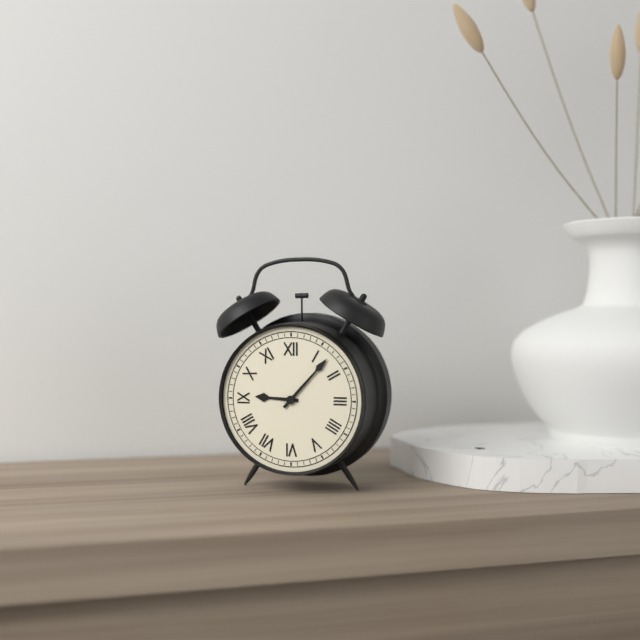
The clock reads h=9 m=7
